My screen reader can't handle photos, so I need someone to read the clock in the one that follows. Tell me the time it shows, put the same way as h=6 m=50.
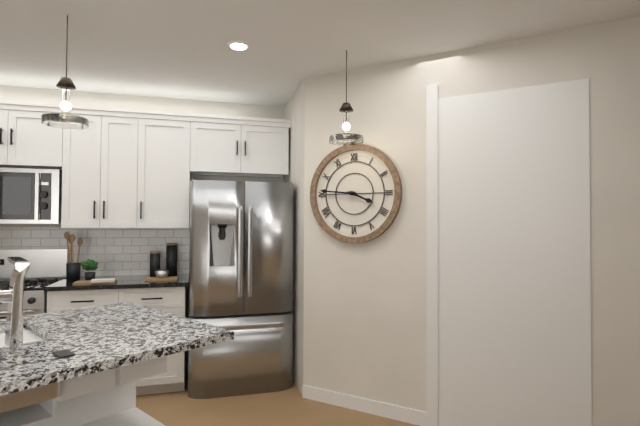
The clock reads h=3 m=46
